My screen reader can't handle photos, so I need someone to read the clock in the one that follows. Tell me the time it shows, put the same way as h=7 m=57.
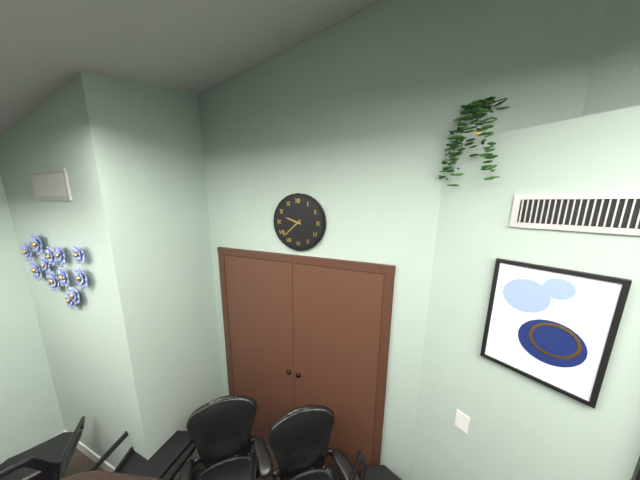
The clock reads h=9 m=38
